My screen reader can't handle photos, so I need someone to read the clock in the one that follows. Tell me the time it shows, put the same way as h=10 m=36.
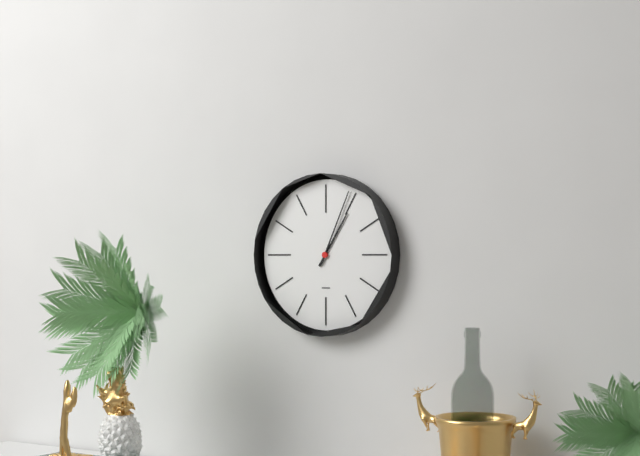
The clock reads h=1 m=4
